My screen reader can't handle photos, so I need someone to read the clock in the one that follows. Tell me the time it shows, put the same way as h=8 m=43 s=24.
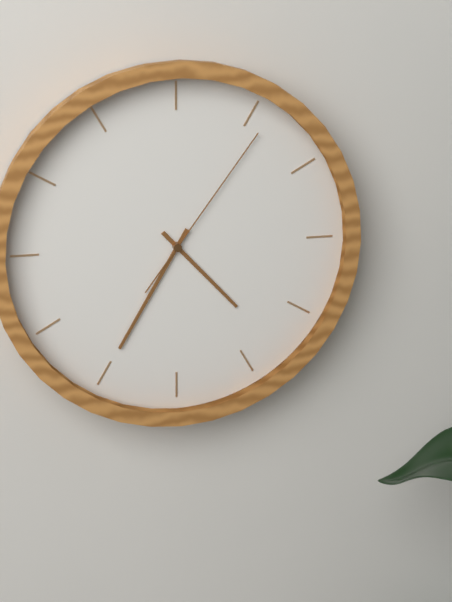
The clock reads h=4 m=35 s=6
